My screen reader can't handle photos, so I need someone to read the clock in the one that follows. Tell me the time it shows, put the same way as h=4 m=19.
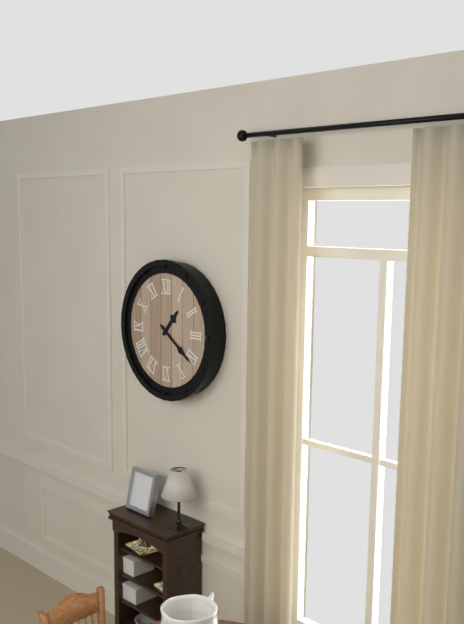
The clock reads h=1 m=21
